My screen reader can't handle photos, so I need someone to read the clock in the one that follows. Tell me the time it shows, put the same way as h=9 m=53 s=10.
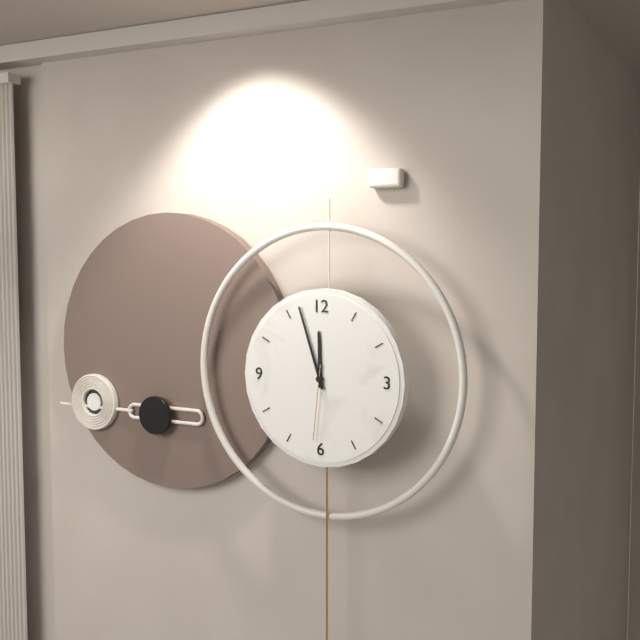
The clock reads h=11 m=57 s=31
